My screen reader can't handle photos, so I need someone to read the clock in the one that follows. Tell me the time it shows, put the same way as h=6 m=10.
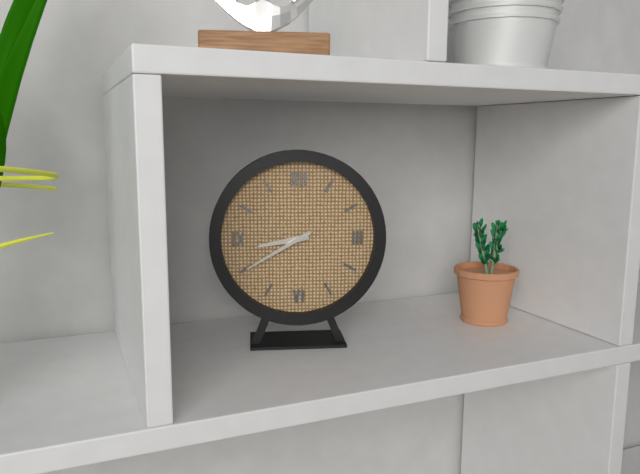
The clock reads h=8 m=40
